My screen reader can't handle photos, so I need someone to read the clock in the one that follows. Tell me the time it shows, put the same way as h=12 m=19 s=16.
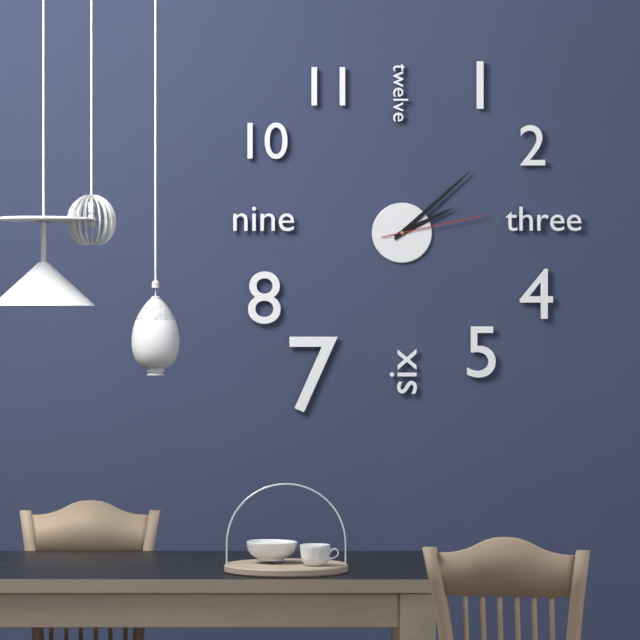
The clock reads h=2 m=8 s=13
